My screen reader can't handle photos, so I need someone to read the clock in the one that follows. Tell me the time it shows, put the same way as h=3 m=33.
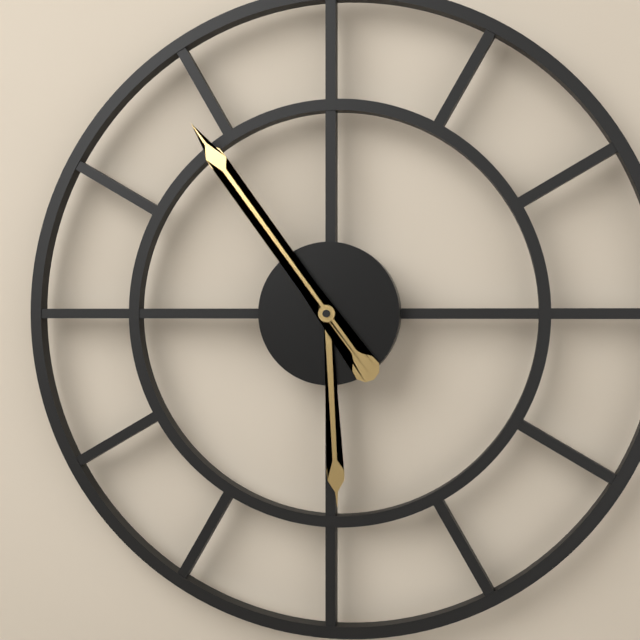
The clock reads h=5 m=54
